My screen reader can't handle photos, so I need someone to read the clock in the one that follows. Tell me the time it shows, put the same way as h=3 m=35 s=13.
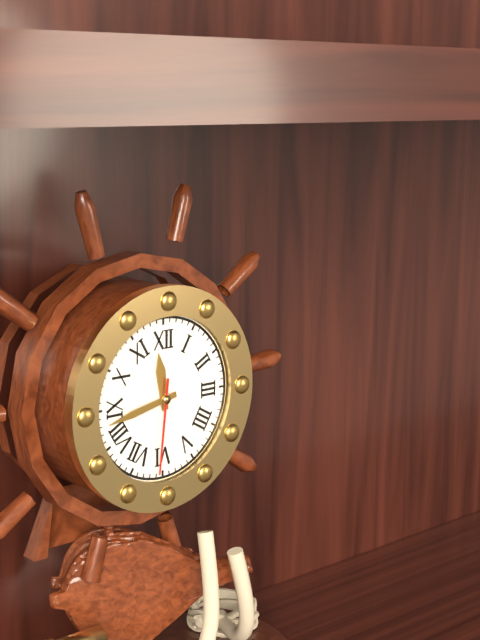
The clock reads h=11 m=43 s=31
